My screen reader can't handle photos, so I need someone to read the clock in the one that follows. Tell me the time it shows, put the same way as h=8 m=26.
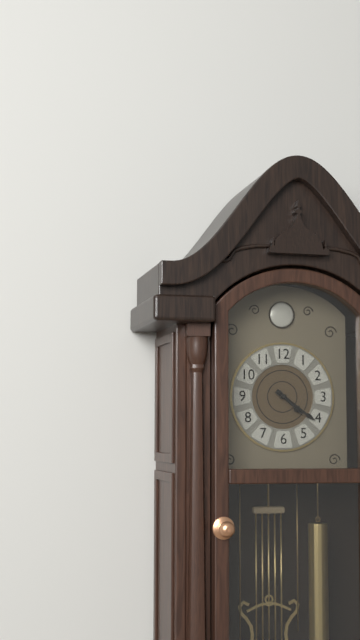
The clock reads h=4 m=21
